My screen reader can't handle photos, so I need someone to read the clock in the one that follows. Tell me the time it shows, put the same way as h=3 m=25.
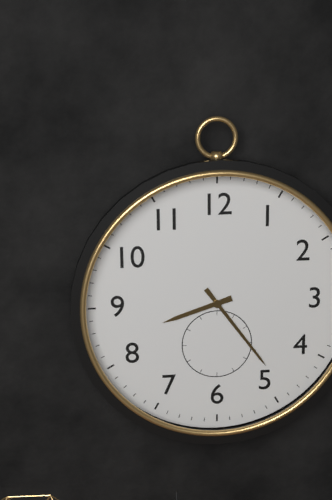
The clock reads h=8 m=24
